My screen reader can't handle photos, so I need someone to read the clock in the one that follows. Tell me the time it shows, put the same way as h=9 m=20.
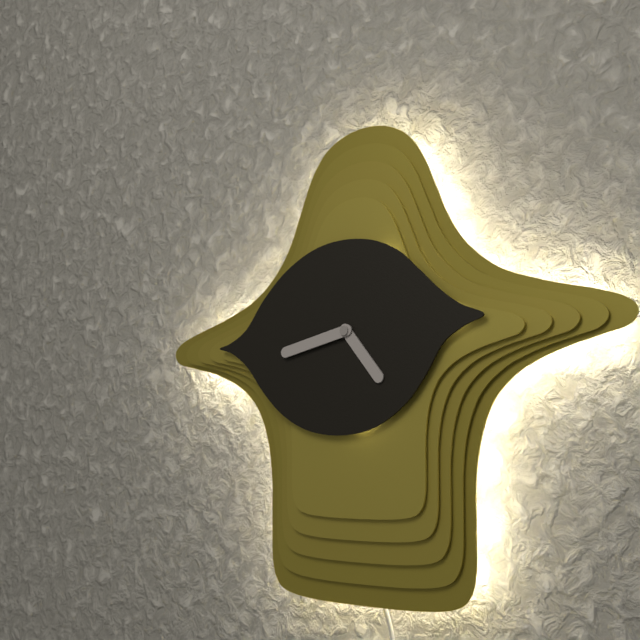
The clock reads h=4 m=43
